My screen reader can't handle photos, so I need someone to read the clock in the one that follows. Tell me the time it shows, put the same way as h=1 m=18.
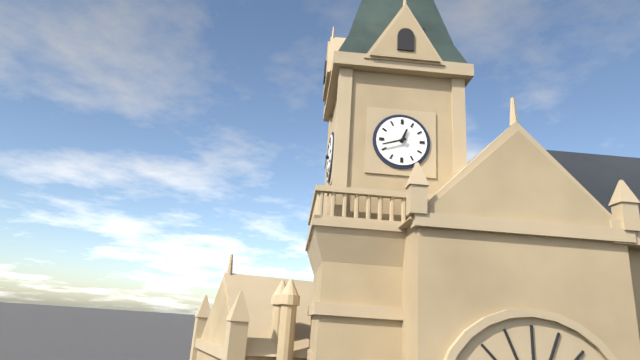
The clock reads h=12 m=42
